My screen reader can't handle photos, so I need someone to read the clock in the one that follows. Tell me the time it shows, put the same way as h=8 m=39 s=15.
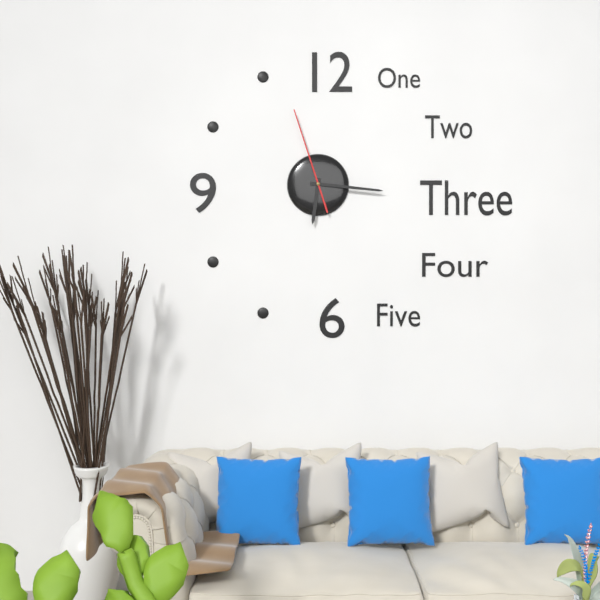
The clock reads h=6 m=16 s=57
